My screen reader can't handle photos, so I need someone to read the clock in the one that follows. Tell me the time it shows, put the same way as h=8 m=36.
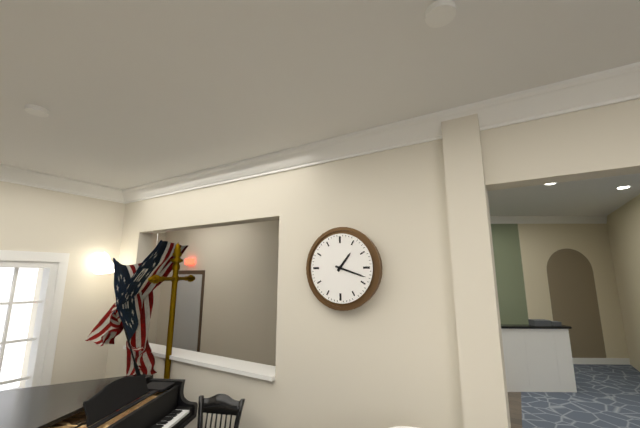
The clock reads h=1 m=18
